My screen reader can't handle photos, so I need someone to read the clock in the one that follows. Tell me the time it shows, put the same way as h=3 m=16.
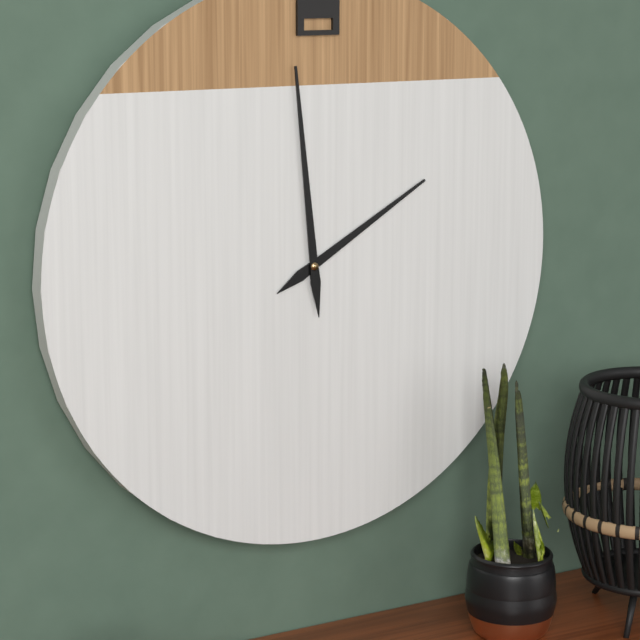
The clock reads h=1 m=59
